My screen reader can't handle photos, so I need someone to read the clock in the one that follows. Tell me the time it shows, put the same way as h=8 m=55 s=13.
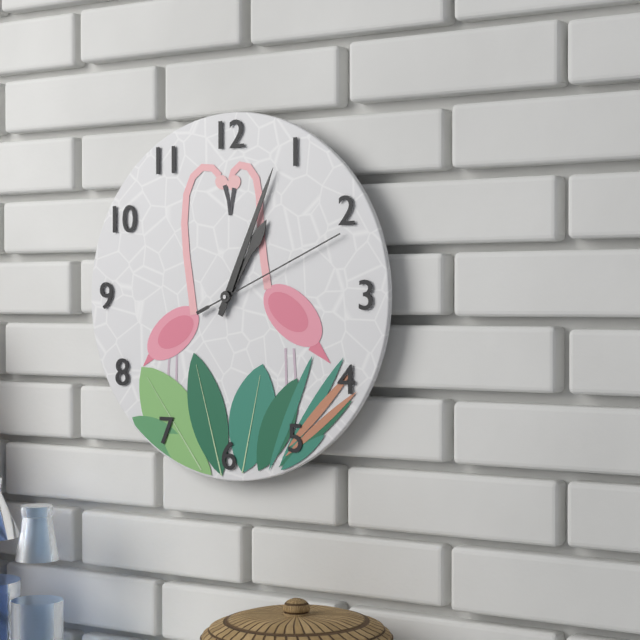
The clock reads h=1 m=4 s=11
